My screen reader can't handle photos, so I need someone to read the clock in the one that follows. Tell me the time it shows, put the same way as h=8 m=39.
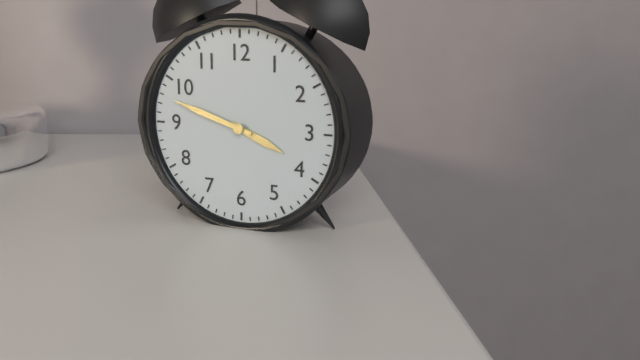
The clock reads h=3 m=48
